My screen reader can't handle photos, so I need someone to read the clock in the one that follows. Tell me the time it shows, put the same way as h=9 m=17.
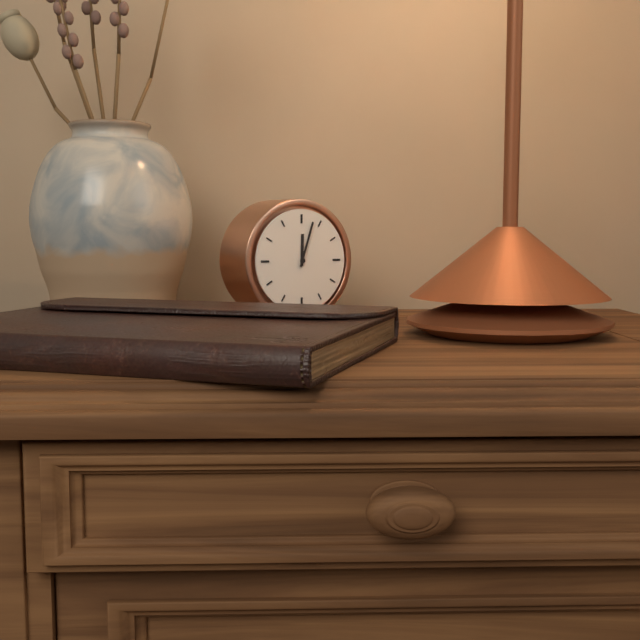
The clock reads h=12 m=3
